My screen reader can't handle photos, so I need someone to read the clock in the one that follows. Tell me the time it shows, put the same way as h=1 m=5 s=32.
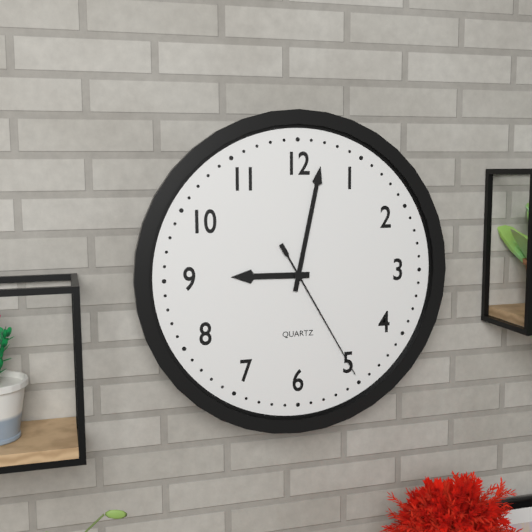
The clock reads h=9 m=2 s=25
